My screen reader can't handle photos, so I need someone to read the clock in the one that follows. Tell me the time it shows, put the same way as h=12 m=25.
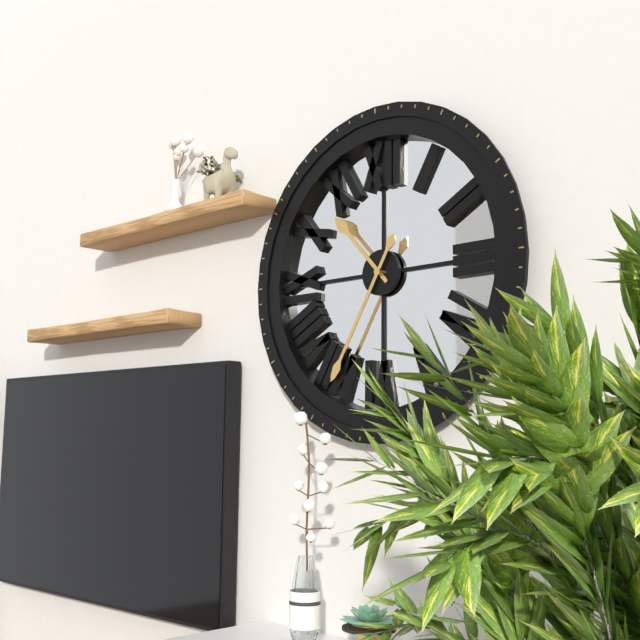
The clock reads h=10 m=35
